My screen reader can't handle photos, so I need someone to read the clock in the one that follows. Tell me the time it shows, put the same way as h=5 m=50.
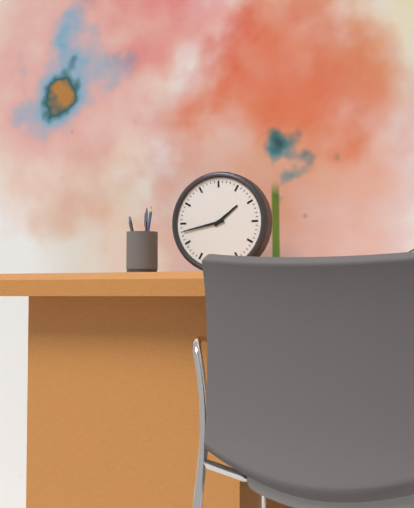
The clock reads h=1 m=43
